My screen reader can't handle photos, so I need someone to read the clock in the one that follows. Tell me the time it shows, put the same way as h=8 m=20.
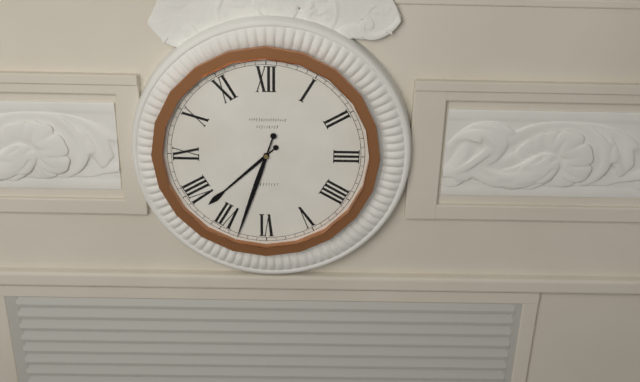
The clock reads h=7 m=33
